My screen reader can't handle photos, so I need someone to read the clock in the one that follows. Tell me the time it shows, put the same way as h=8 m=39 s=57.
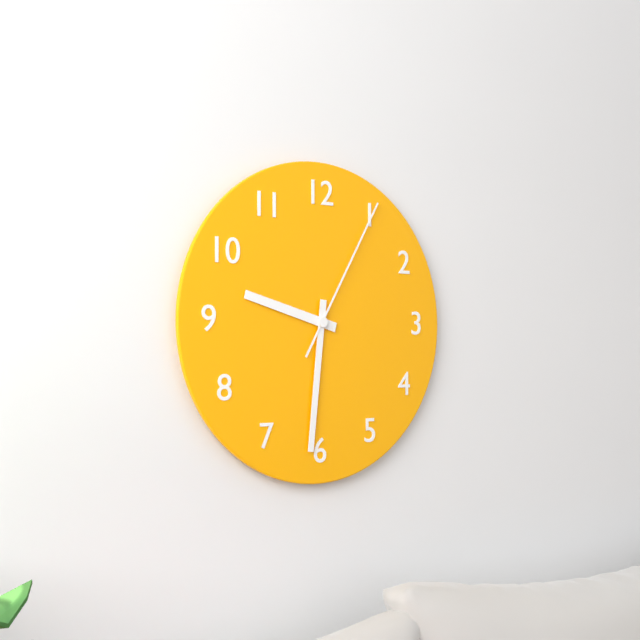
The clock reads h=9 m=31 s=5
